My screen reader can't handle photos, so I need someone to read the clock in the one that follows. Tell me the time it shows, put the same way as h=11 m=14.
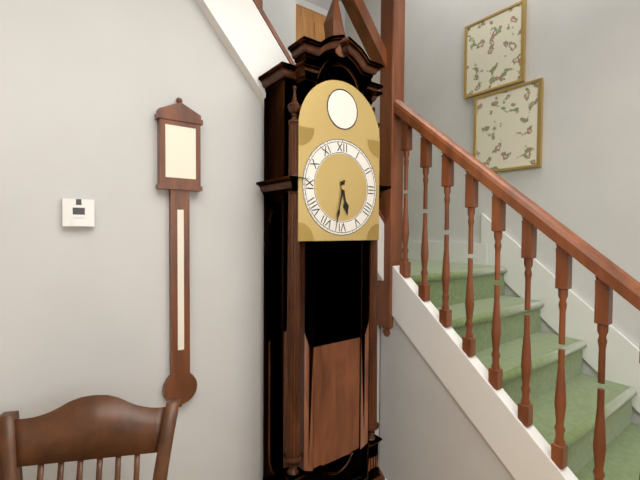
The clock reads h=5 m=32
